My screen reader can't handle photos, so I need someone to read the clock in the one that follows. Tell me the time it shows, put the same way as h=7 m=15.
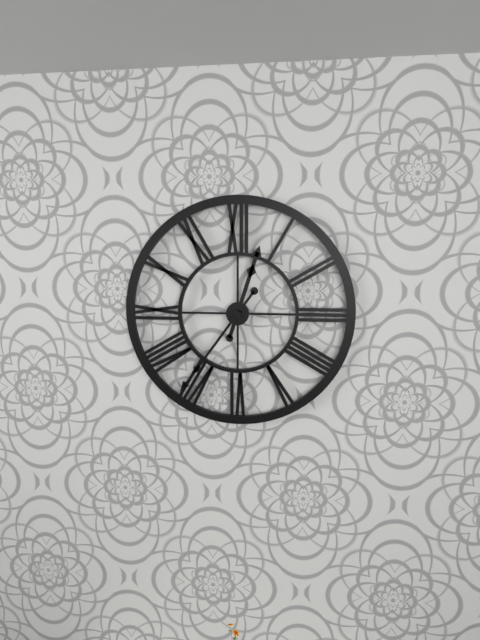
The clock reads h=12 m=36
